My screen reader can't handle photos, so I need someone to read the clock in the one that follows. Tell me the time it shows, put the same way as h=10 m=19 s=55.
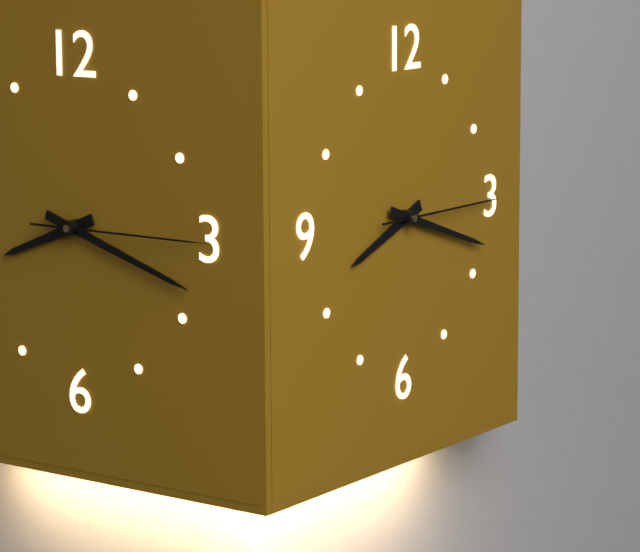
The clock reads h=8 m=18 s=15
